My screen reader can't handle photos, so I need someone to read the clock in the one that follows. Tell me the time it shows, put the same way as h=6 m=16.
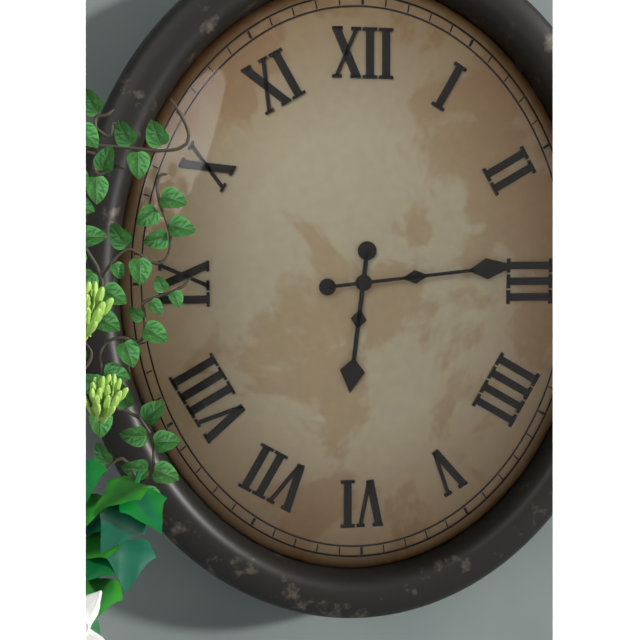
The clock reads h=6 m=14
